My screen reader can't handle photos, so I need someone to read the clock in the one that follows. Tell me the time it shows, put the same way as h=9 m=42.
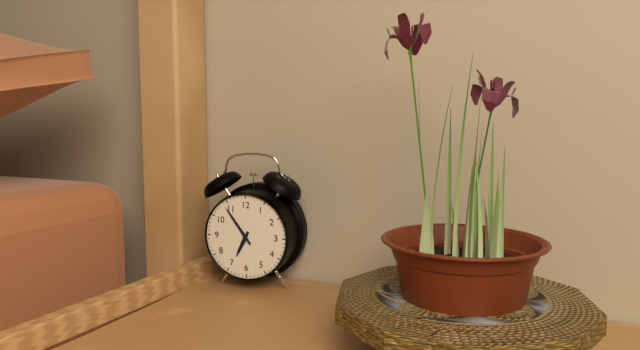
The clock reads h=6 m=54
